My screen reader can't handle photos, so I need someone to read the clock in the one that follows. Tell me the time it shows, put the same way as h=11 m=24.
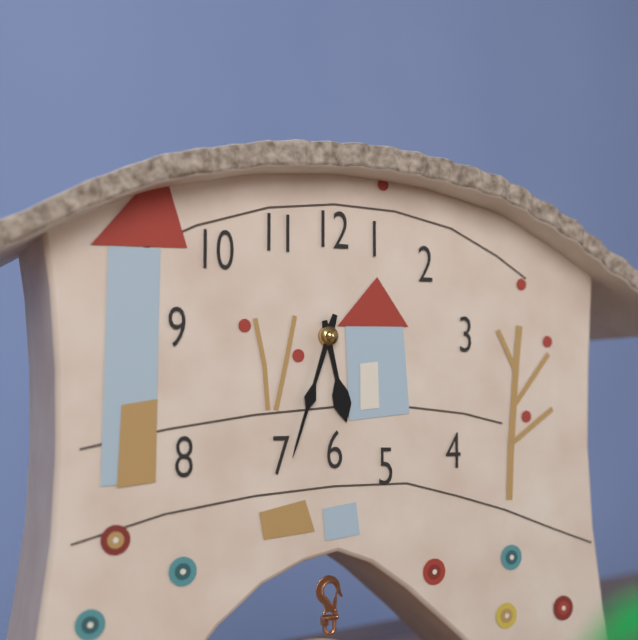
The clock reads h=5 m=33
